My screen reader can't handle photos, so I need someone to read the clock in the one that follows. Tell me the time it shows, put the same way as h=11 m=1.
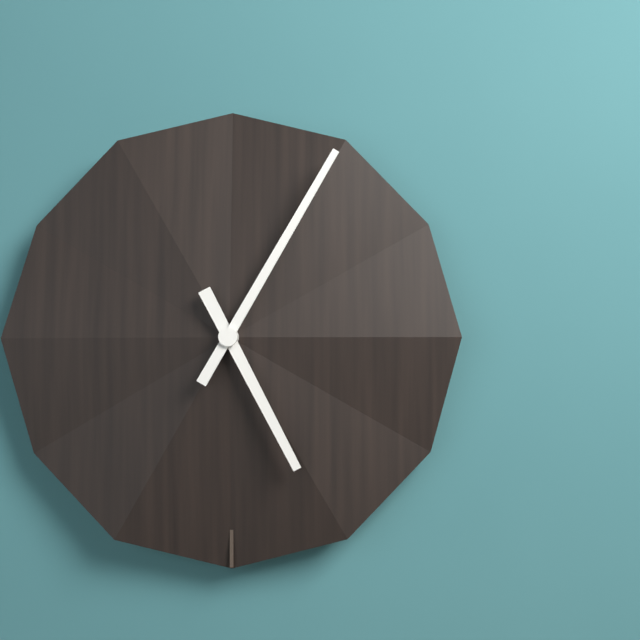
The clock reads h=5 m=5
